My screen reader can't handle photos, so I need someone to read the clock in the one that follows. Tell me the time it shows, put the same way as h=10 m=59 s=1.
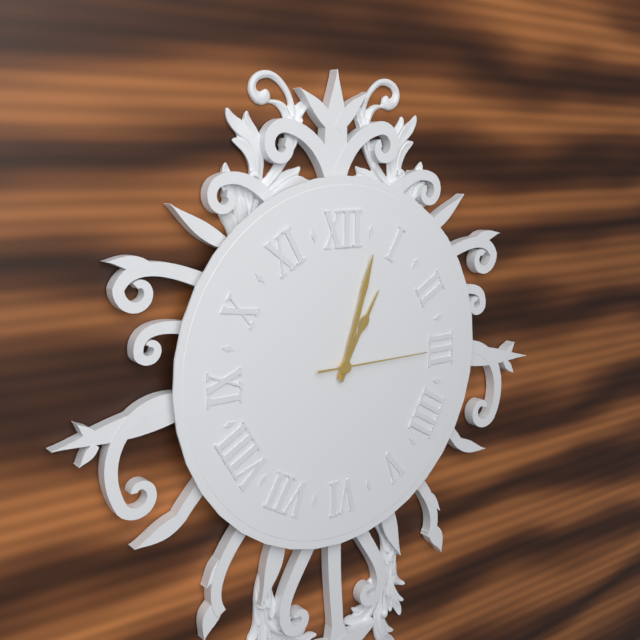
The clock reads h=1 m=3 s=15
